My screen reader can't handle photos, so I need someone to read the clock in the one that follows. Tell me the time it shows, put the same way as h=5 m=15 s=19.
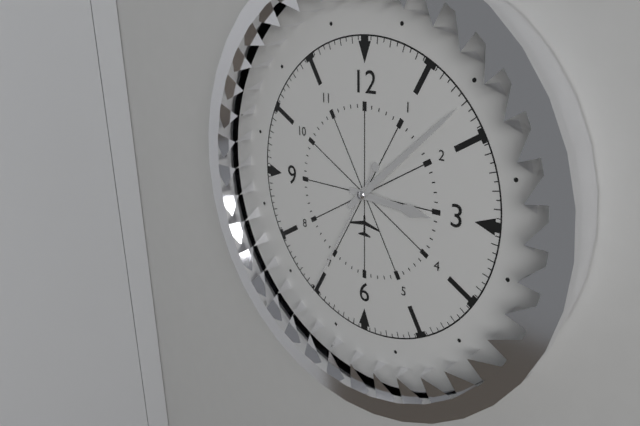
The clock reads h=3 m=8 s=35
